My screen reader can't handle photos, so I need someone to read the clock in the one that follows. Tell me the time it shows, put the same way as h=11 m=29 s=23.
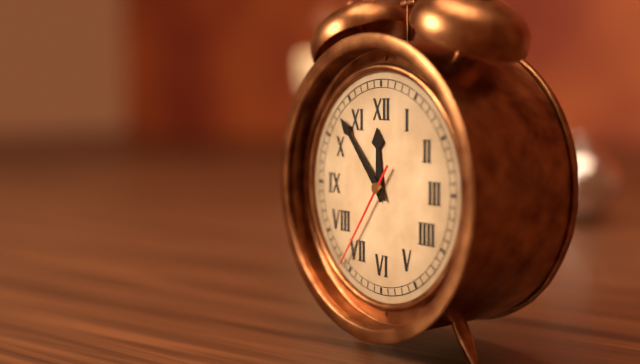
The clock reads h=11 m=53 s=36
